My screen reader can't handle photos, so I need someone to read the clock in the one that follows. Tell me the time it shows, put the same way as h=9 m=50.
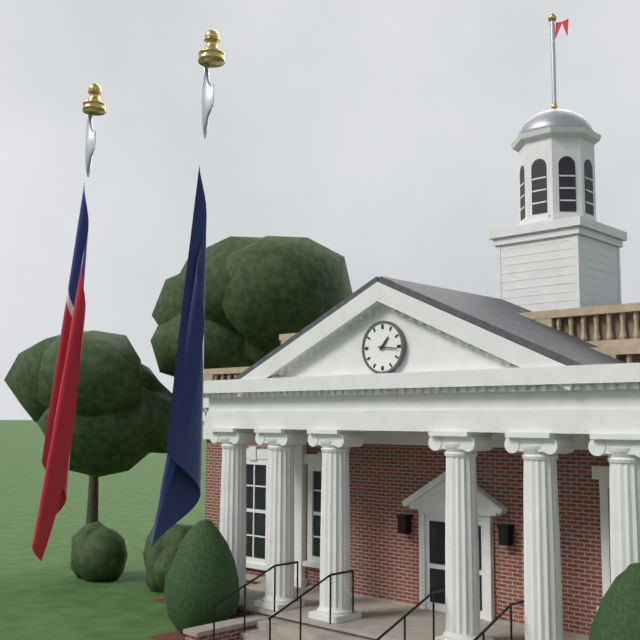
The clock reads h=1 m=16
